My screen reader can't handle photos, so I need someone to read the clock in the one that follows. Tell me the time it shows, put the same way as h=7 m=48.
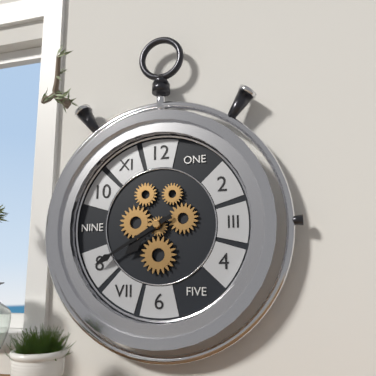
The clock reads h=7 m=40
